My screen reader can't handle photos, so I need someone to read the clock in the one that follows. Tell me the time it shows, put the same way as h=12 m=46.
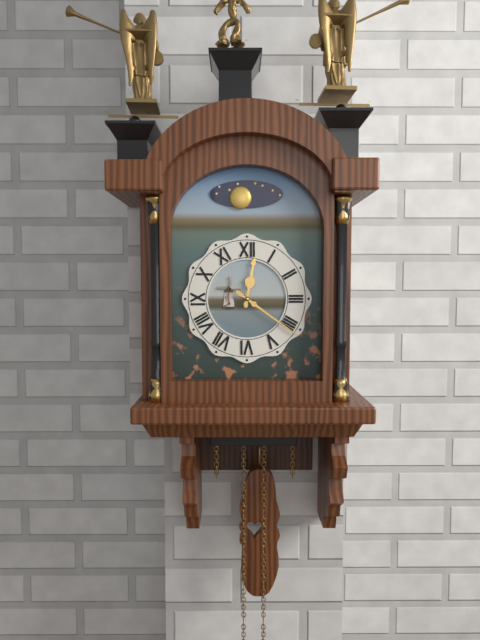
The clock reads h=12 m=21
